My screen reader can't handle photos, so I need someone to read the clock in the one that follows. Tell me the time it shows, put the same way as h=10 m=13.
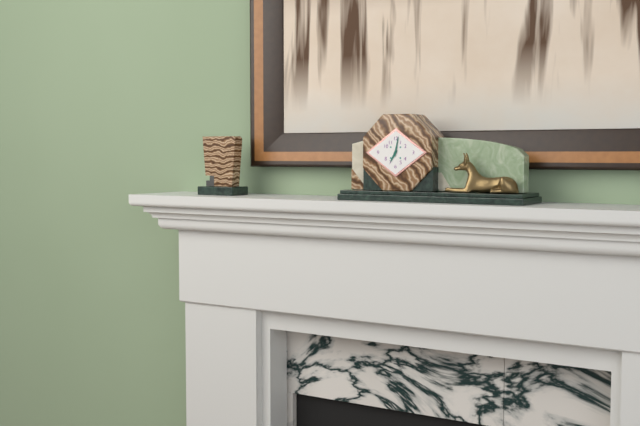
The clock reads h=7 m=2
